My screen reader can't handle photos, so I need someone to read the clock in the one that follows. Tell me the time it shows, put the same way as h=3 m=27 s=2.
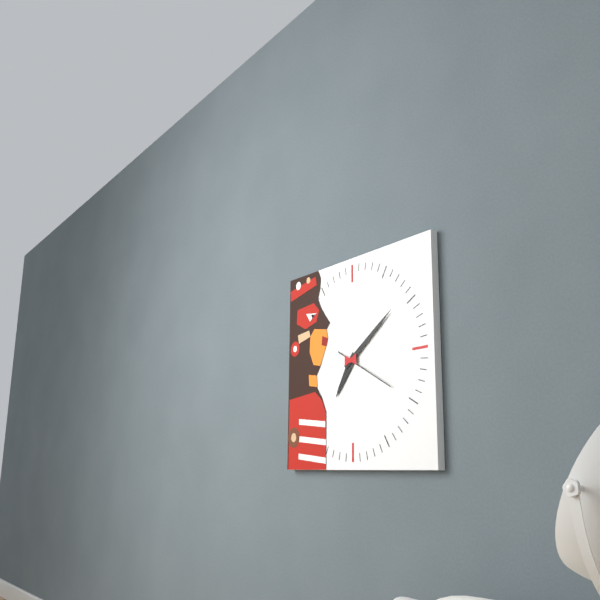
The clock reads h=7 m=9 s=20
